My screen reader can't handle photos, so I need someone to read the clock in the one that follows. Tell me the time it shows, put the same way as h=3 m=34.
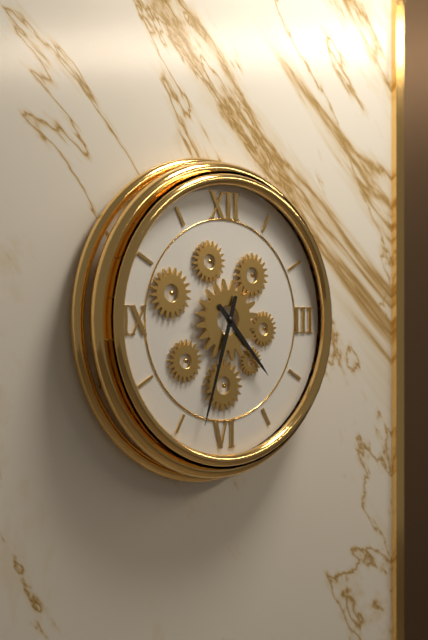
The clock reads h=4 m=33
